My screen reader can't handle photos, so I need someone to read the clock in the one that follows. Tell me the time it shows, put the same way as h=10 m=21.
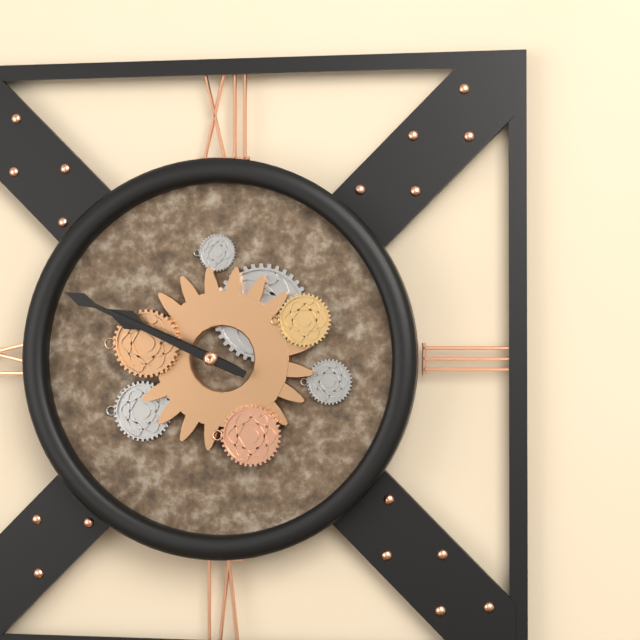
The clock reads h=9 m=49
